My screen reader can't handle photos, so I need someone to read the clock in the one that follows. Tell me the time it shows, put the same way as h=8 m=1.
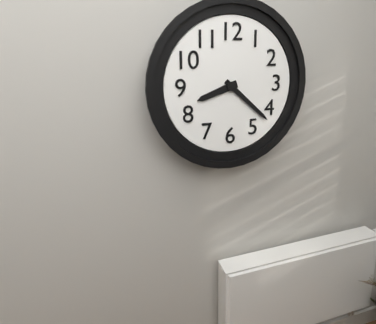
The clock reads h=8 m=22
